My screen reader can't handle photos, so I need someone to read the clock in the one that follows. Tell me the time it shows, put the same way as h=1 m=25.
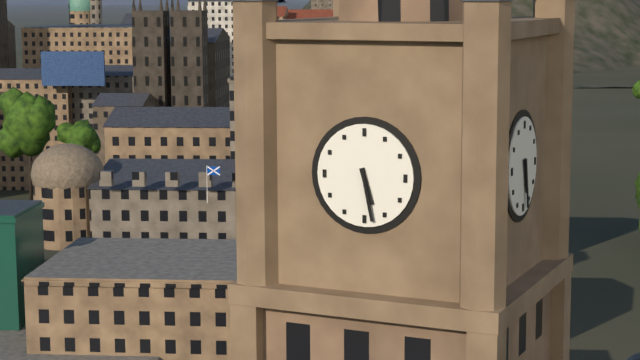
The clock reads h=5 m=28
